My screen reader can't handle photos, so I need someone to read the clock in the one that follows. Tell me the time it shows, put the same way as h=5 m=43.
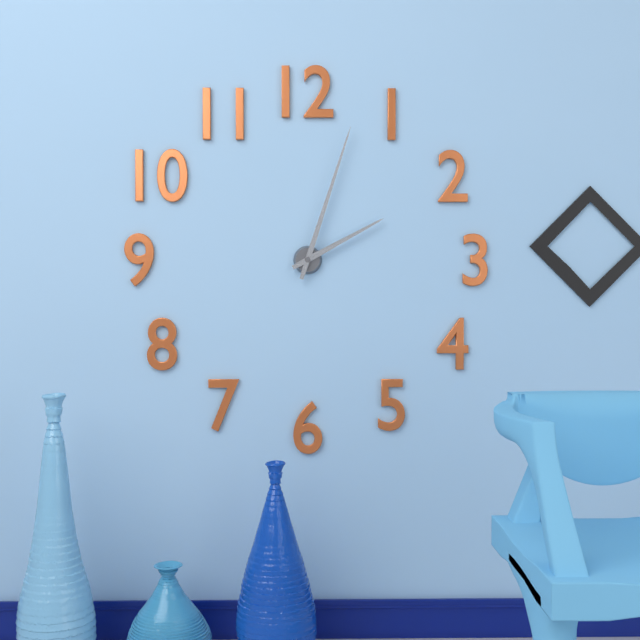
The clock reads h=2 m=3
